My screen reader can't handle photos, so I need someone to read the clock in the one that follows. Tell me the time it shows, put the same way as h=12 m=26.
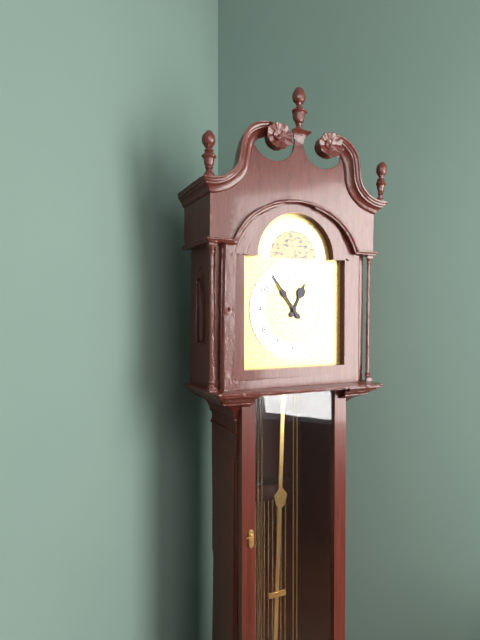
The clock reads h=12 m=54
